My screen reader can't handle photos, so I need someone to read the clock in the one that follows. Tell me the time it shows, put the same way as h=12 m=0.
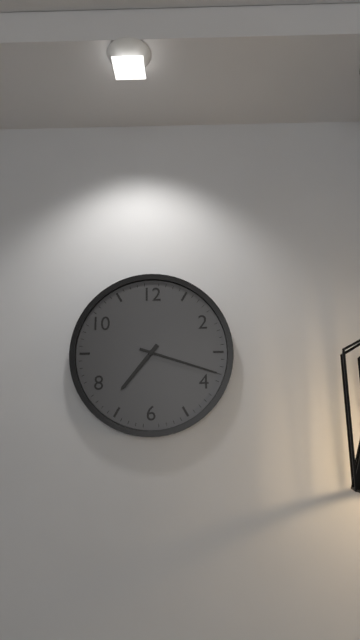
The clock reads h=7 m=18
